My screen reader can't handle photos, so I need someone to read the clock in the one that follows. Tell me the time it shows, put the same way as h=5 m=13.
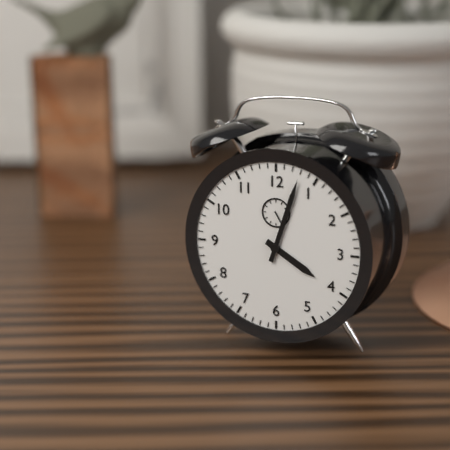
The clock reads h=4 m=3
